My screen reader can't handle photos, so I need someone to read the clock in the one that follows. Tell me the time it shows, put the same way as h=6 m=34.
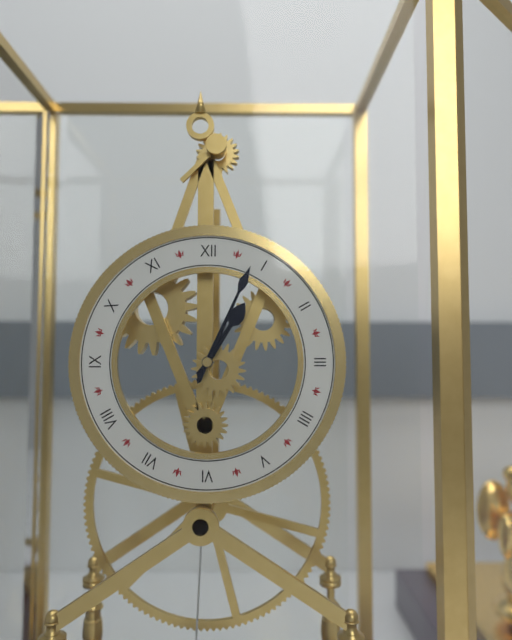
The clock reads h=1 m=4
